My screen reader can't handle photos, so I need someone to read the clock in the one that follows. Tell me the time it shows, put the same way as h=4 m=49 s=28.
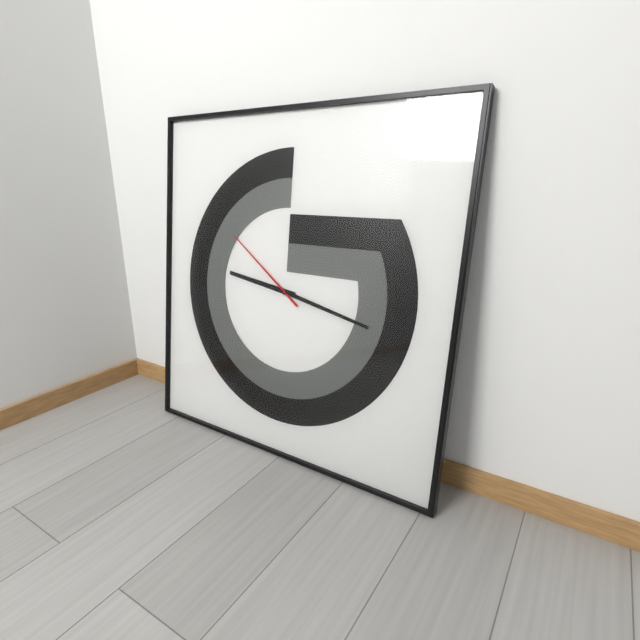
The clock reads h=9 m=17 s=51
